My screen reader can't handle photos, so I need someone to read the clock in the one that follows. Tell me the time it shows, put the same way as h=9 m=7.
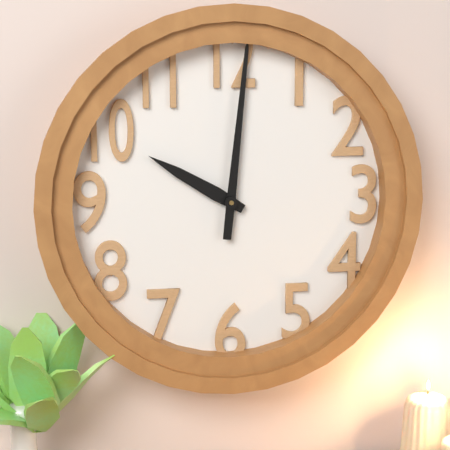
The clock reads h=10 m=1
